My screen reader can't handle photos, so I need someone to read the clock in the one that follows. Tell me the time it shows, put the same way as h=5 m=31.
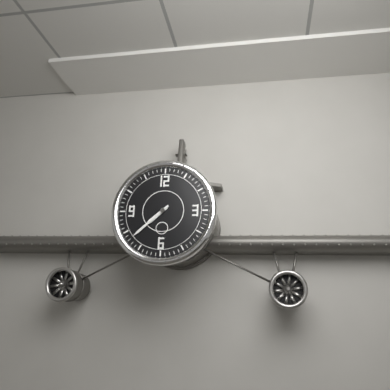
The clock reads h=7 m=38
